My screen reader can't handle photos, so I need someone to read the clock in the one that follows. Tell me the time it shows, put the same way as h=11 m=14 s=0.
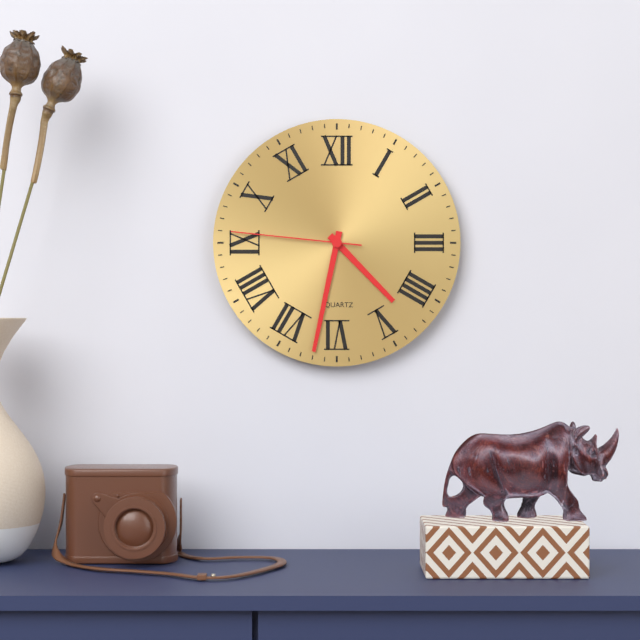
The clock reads h=4 m=32 s=46
